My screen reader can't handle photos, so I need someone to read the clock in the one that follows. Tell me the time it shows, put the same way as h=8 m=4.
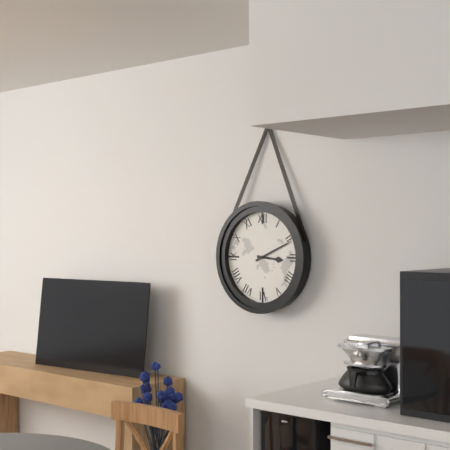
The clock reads h=3 m=11
